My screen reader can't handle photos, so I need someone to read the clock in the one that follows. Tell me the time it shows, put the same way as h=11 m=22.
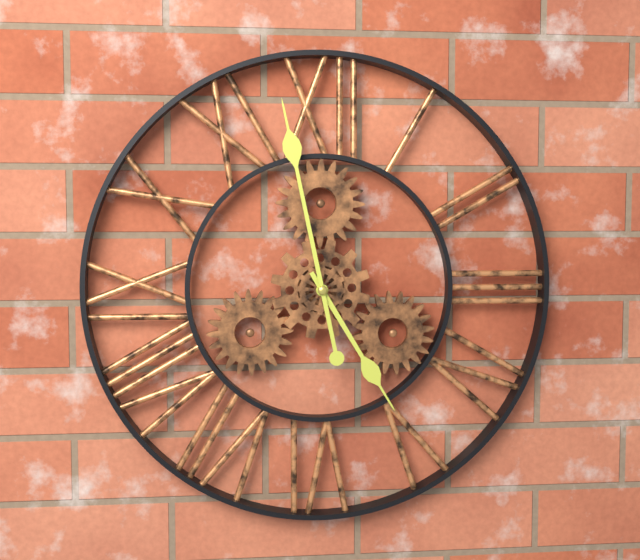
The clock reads h=4 m=58
